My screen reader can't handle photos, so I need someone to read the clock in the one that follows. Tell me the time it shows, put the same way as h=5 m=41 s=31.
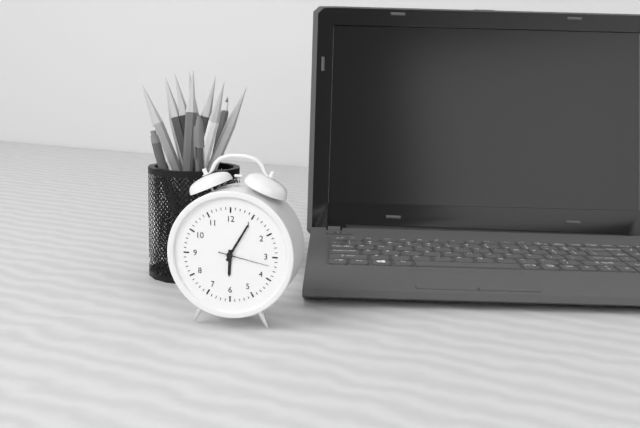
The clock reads h=6 m=5 s=17
